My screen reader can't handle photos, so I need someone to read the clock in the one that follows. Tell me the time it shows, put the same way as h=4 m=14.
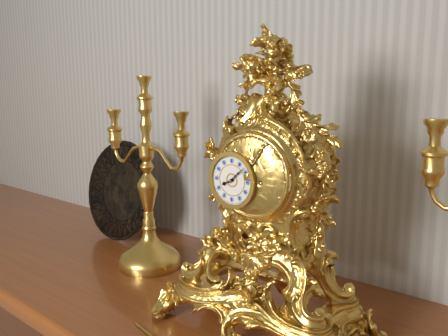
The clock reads h=8 m=8
